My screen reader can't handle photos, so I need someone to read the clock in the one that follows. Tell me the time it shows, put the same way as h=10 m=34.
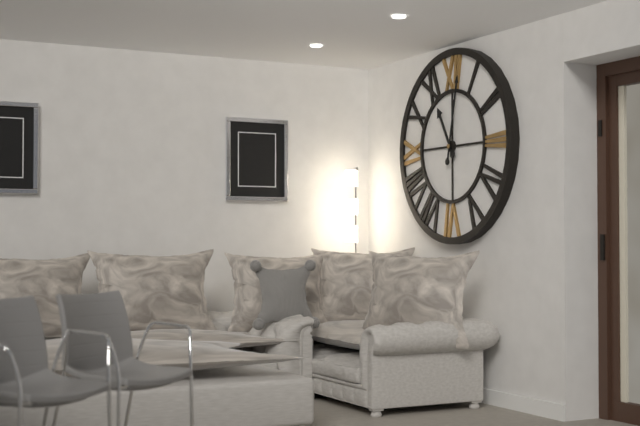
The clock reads h=11 m=2
